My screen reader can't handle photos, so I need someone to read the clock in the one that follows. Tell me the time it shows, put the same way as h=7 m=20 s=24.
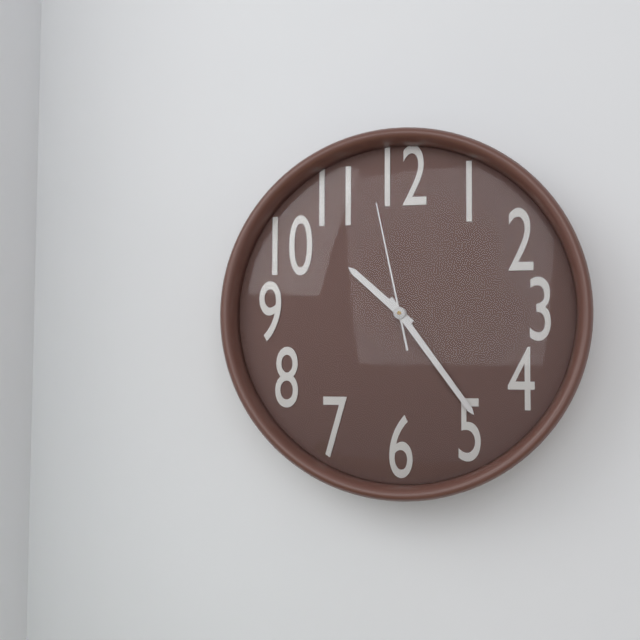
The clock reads h=10 m=24 s=58
